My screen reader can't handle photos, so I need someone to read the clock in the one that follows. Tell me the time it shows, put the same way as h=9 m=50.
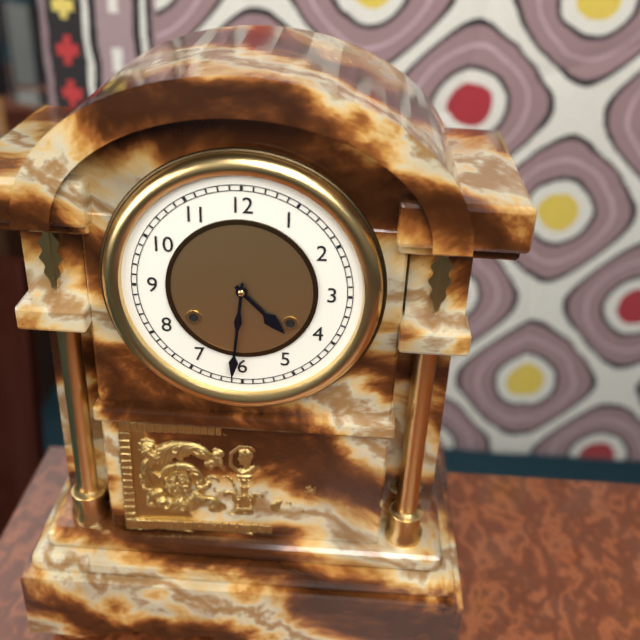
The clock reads h=4 m=31
